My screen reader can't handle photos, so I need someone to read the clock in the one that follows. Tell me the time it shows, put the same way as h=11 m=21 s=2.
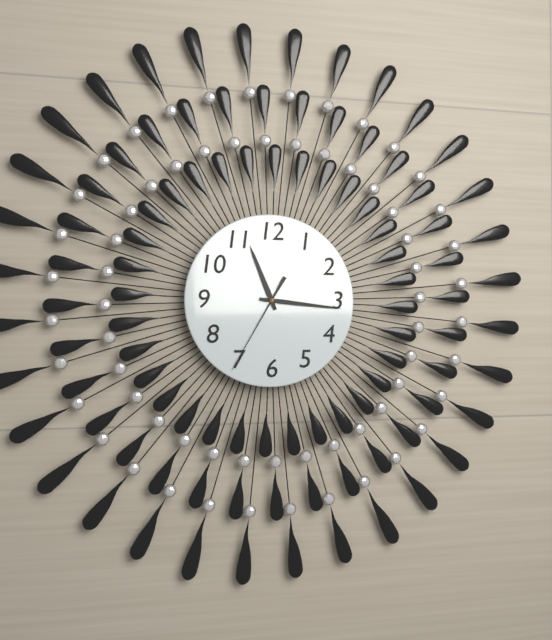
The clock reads h=11 m=16 s=35
